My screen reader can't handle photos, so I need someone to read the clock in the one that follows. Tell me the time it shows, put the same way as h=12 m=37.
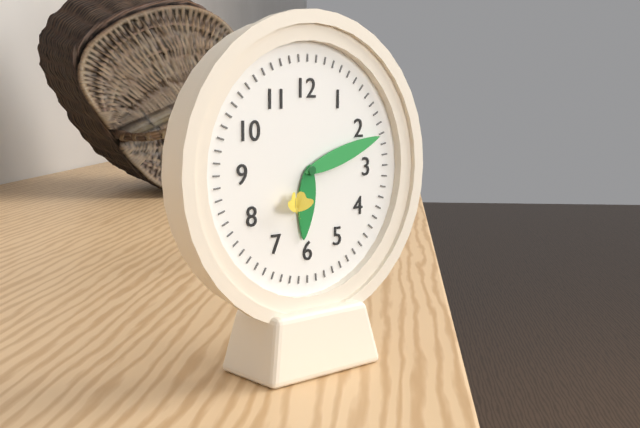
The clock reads h=6 m=12
